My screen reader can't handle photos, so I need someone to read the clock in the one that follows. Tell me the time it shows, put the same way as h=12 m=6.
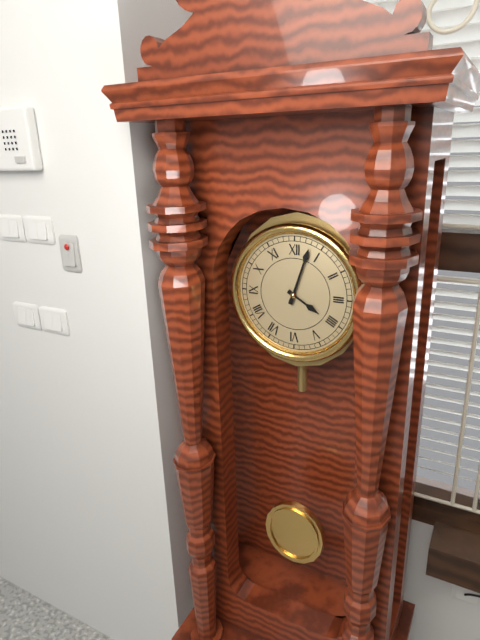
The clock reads h=4 m=3
